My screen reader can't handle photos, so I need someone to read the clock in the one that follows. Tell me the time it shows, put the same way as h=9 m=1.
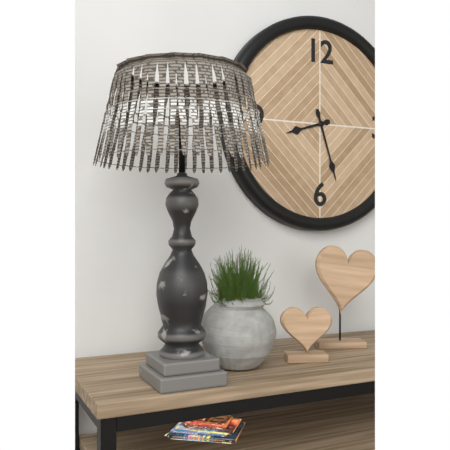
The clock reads h=8 m=27
